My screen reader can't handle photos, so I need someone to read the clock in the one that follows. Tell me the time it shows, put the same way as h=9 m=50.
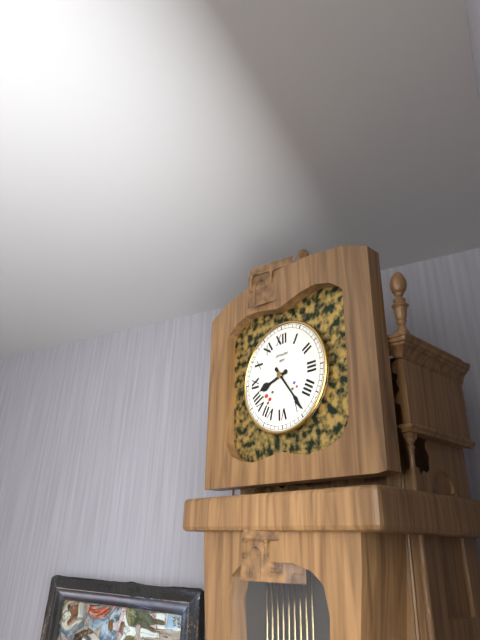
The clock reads h=8 m=24
